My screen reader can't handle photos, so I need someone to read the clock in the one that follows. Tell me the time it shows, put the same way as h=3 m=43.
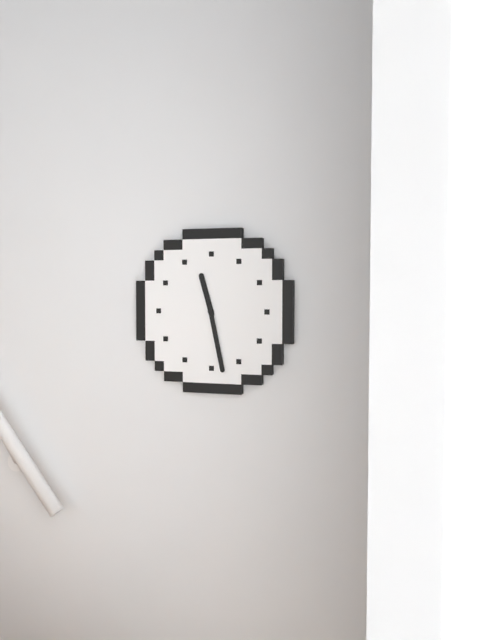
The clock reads h=11 m=28
